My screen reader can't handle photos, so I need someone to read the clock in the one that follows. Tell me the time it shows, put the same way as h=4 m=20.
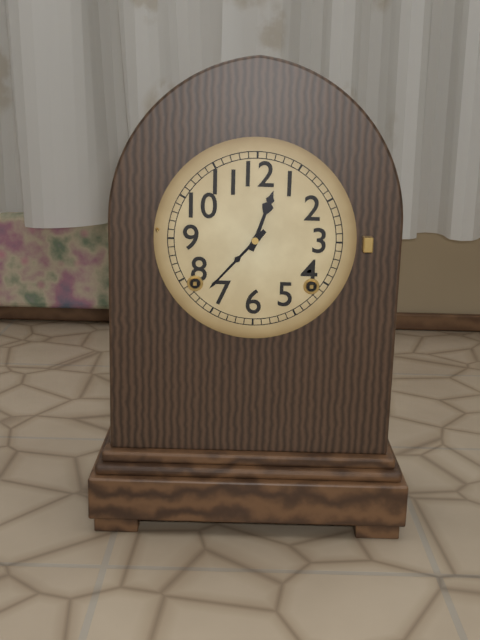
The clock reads h=12 m=37
